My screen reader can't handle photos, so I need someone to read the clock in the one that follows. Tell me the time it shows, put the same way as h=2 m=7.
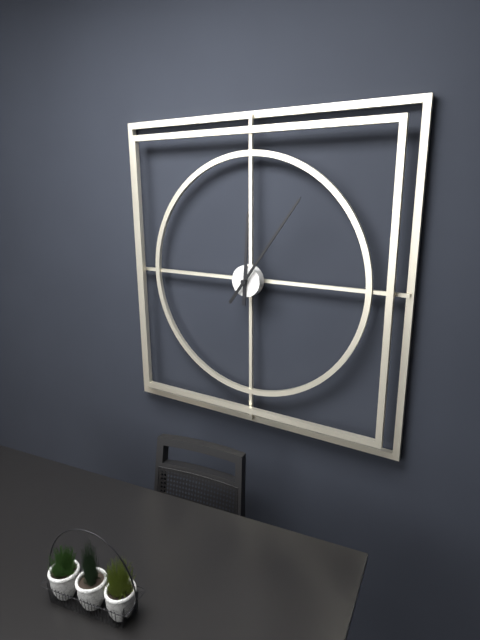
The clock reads h=12 m=6
